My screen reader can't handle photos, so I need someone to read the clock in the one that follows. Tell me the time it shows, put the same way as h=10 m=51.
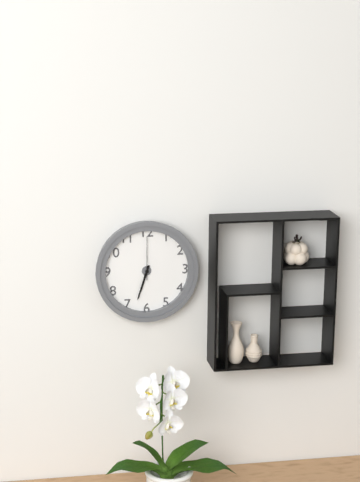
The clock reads h=6 m=33
